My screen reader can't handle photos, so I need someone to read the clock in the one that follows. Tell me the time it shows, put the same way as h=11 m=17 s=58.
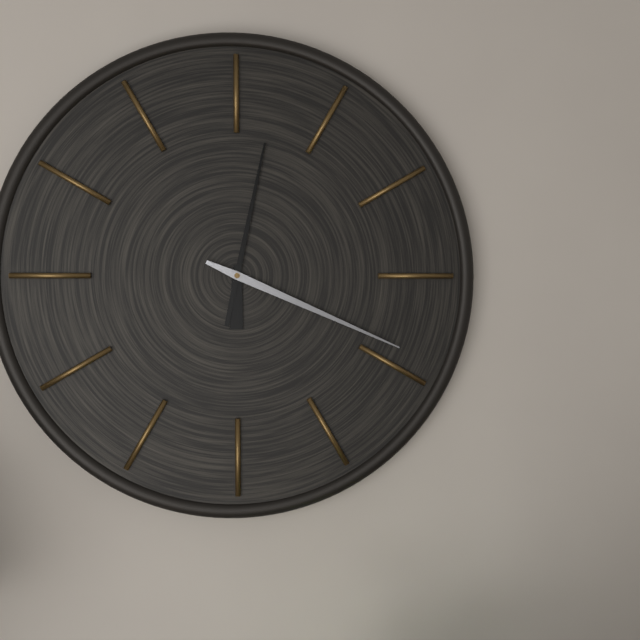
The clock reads h=6 m=2 s=19
